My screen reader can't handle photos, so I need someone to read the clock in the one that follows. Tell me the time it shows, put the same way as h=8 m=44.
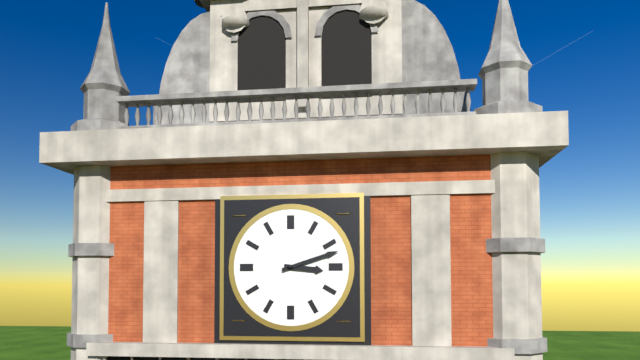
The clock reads h=3 m=12
